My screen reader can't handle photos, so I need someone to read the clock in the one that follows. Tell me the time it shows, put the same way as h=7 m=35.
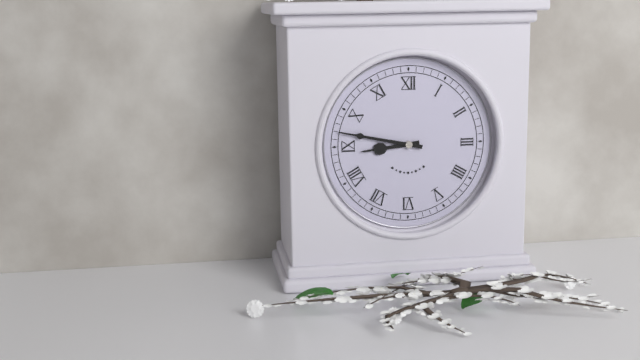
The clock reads h=8 m=47
